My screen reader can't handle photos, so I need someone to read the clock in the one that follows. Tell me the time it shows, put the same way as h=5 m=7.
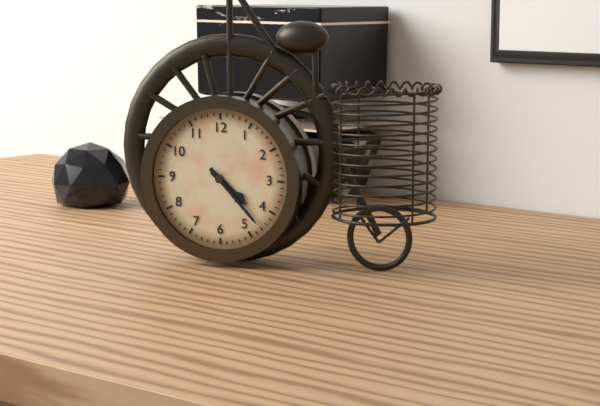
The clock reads h=4 m=23
